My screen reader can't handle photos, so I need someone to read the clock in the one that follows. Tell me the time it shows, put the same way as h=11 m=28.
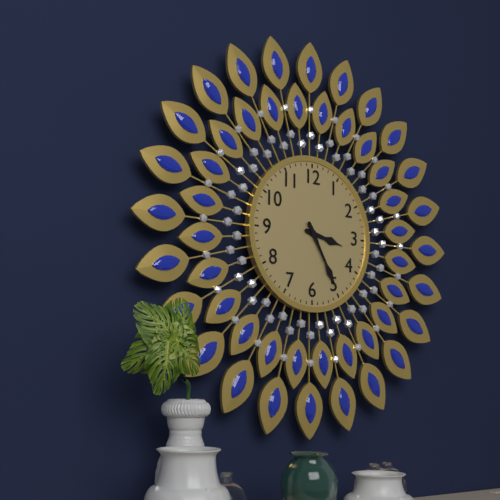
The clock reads h=3 m=25
